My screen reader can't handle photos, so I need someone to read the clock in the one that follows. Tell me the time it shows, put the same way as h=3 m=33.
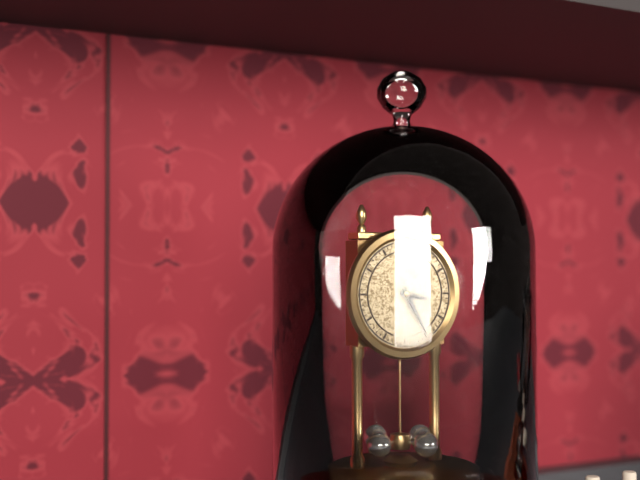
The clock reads h=3 m=25
